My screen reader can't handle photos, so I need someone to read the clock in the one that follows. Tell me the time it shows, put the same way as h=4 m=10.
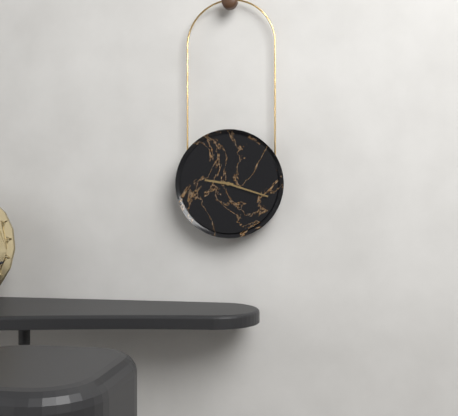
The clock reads h=9 m=18
